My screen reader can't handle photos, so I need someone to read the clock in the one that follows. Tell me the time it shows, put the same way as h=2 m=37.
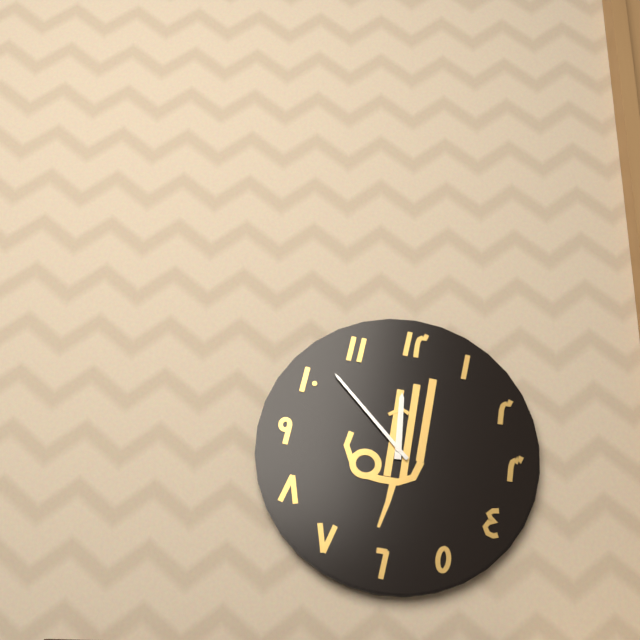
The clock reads h=11 m=52
